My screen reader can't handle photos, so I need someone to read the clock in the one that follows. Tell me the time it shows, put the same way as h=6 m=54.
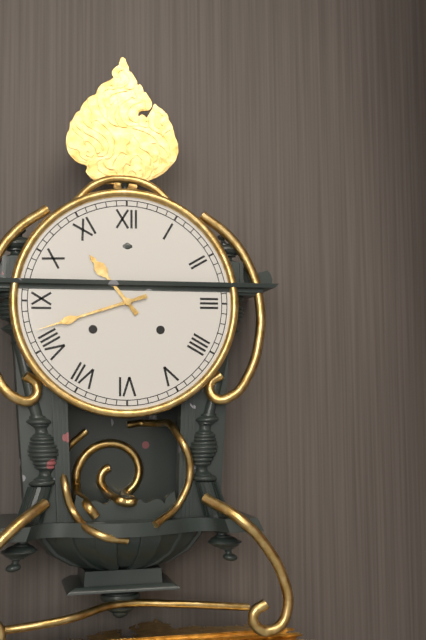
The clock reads h=10 m=42
